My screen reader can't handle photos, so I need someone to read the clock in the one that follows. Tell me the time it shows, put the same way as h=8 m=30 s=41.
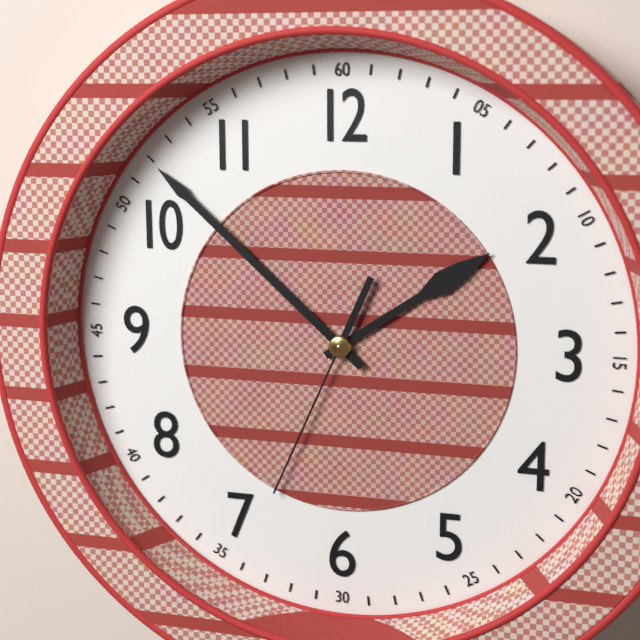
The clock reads h=1 m=52 s=34
